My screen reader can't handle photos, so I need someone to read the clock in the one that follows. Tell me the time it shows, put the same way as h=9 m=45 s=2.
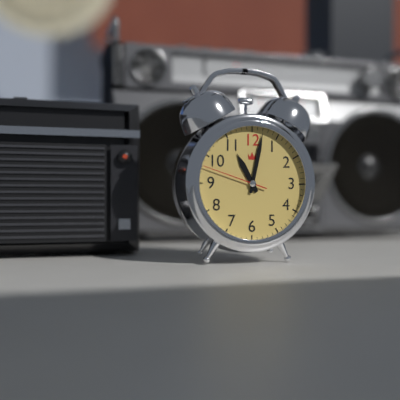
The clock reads h=11 m=2 s=48
